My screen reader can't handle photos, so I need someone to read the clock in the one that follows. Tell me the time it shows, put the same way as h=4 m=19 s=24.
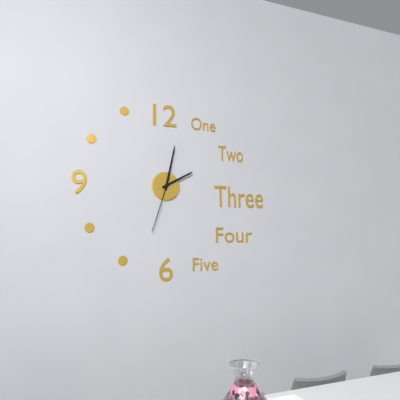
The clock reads h=2 m=2 s=33
